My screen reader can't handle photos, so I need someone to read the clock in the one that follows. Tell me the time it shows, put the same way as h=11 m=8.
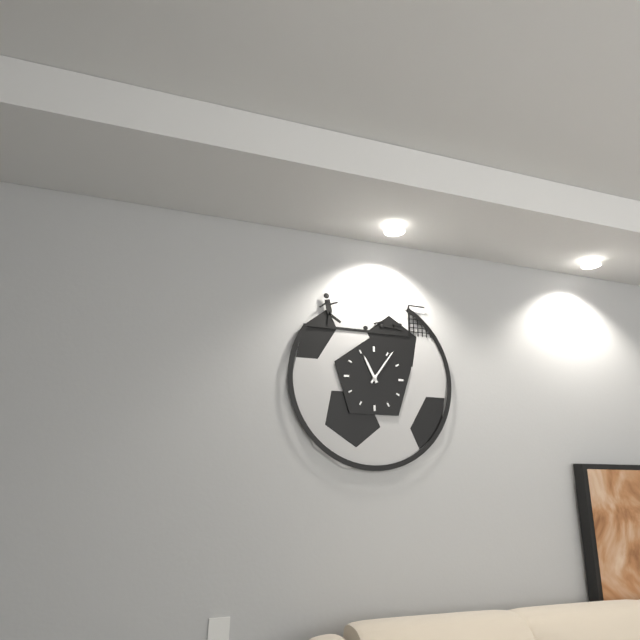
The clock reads h=11 m=6
